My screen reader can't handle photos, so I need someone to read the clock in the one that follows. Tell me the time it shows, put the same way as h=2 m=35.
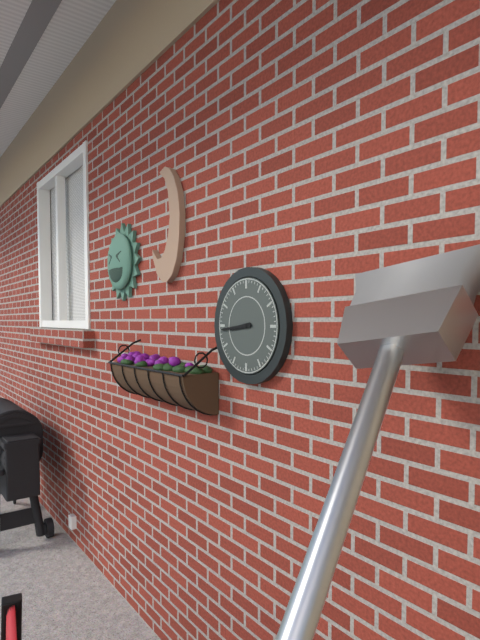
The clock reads h=8 m=44
